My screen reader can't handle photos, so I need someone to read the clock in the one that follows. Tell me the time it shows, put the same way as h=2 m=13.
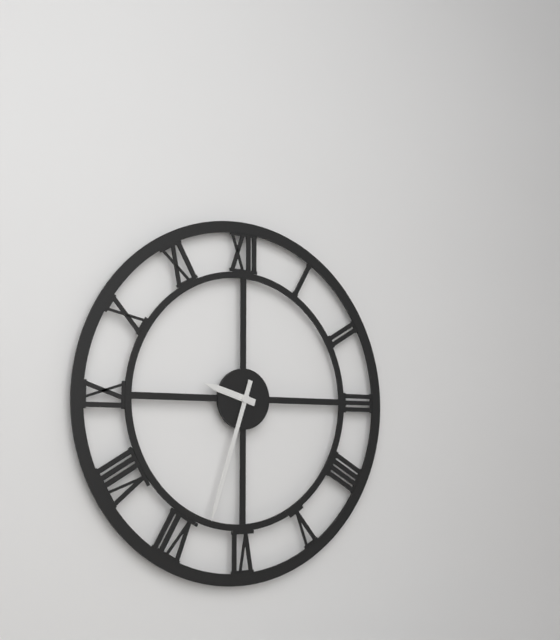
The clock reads h=9 m=33
